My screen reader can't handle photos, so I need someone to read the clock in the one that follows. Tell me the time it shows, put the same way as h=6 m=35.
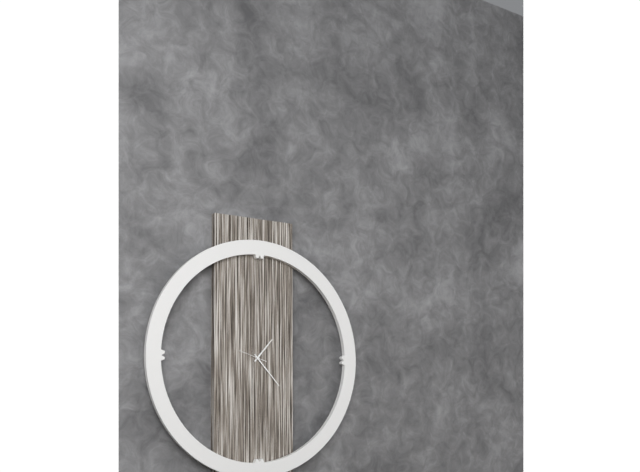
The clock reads h=1 m=23
